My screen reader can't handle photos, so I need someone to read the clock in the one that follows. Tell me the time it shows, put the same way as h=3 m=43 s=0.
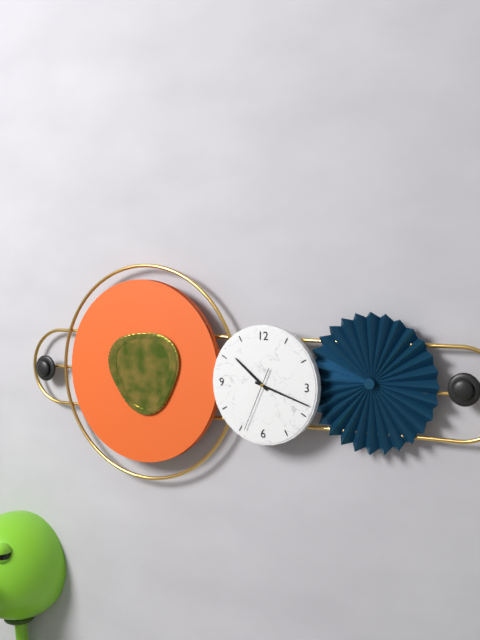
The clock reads h=10 m=18 s=34
